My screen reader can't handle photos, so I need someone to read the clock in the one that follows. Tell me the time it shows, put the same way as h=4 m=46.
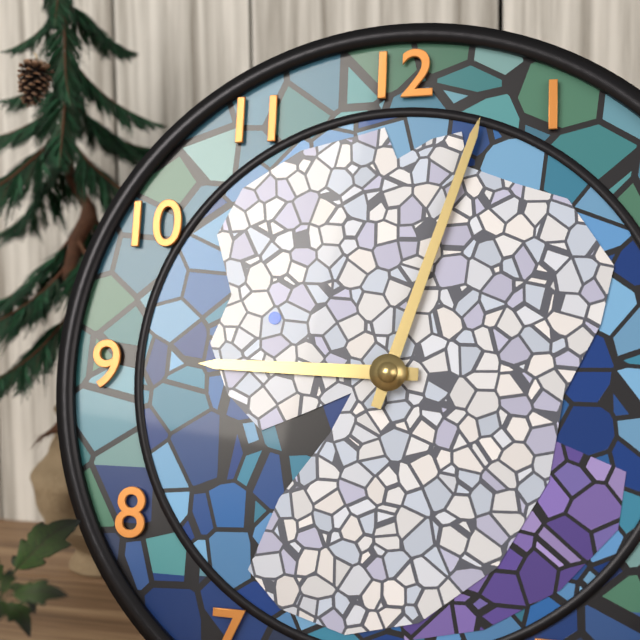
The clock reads h=9 m=3
